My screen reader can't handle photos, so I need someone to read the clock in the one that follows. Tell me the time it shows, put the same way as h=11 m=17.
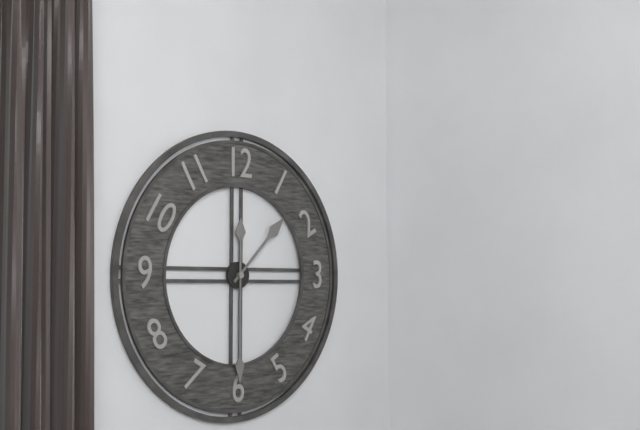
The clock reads h=1 m=30
